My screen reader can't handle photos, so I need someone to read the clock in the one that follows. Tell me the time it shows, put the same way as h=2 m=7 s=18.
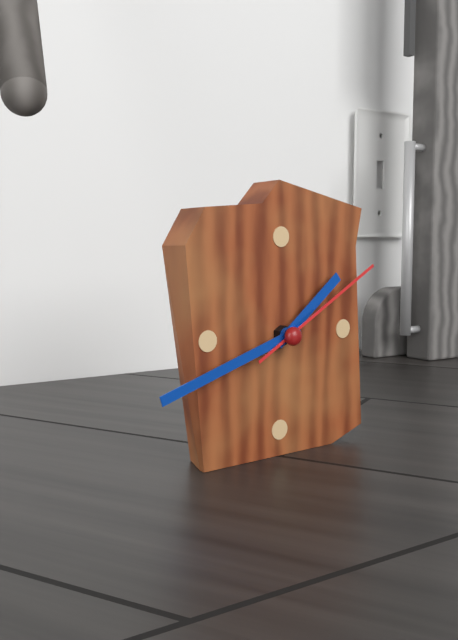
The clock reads h=1 m=42 s=10
